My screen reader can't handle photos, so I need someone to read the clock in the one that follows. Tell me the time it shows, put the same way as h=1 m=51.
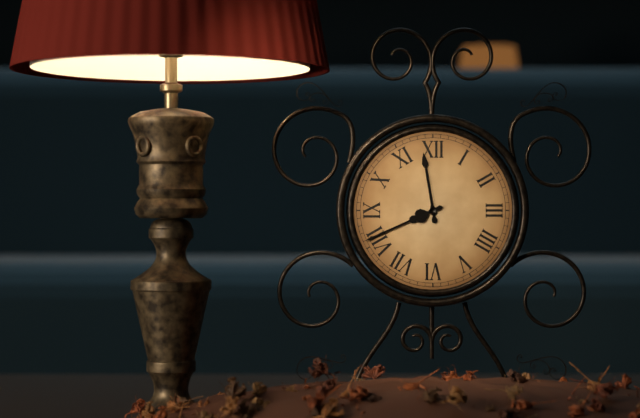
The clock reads h=11 m=41
